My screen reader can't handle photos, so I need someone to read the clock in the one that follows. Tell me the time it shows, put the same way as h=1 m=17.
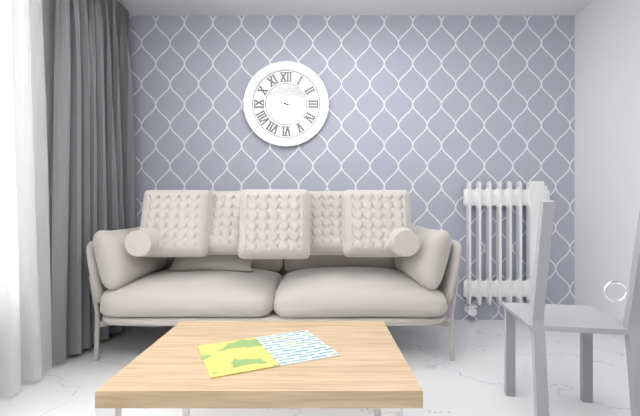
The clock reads h=3 m=22
